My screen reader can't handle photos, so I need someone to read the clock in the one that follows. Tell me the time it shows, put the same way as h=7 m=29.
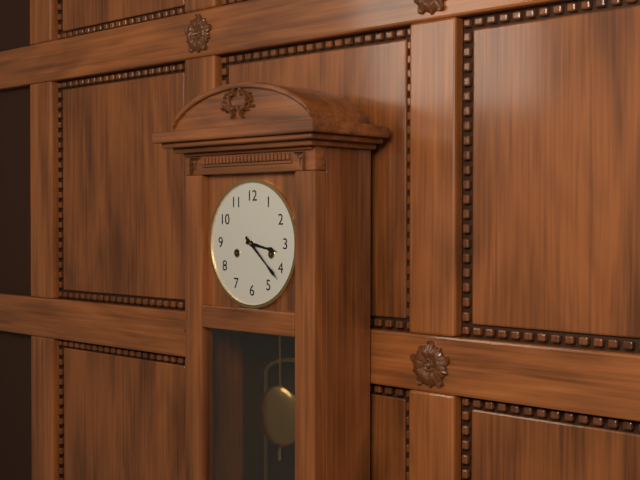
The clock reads h=3 m=22
